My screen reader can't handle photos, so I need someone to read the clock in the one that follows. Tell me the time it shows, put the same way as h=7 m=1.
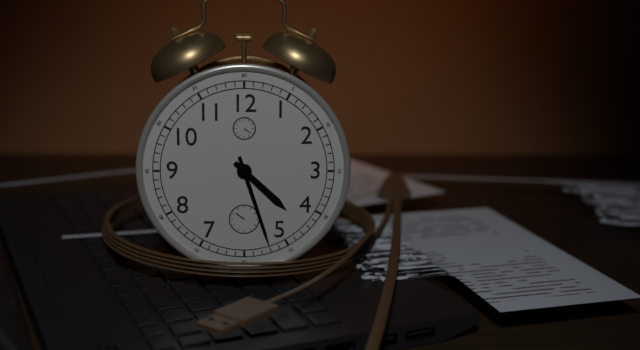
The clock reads h=4 m=27
